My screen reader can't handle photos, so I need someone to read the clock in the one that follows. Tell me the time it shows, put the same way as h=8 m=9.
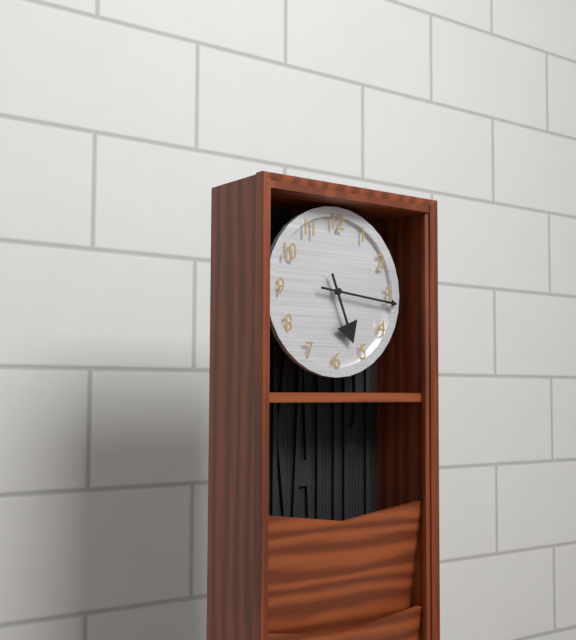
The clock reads h=5 m=16
